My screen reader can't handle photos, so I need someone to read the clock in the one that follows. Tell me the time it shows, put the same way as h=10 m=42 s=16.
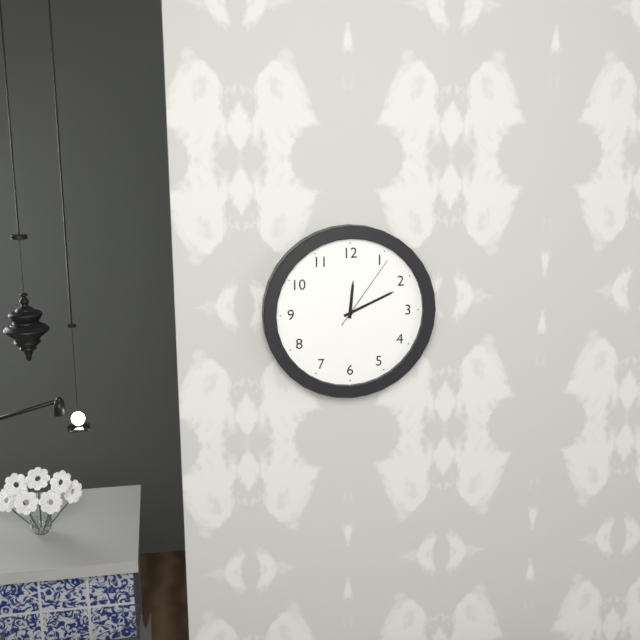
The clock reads h=12 m=11 s=6
